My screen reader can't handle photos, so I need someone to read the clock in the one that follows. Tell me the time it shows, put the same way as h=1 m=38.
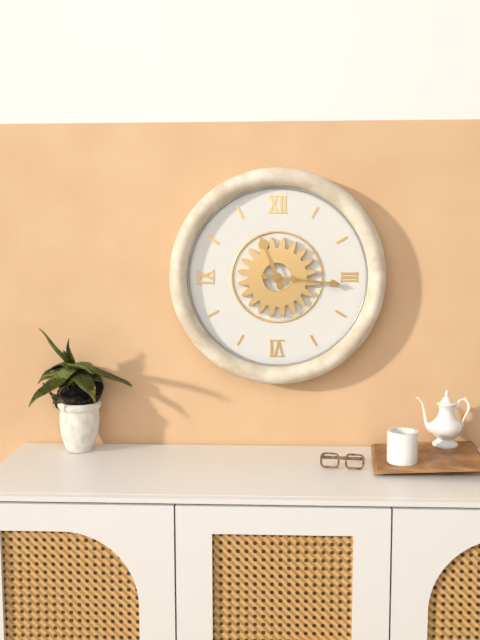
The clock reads h=11 m=16
